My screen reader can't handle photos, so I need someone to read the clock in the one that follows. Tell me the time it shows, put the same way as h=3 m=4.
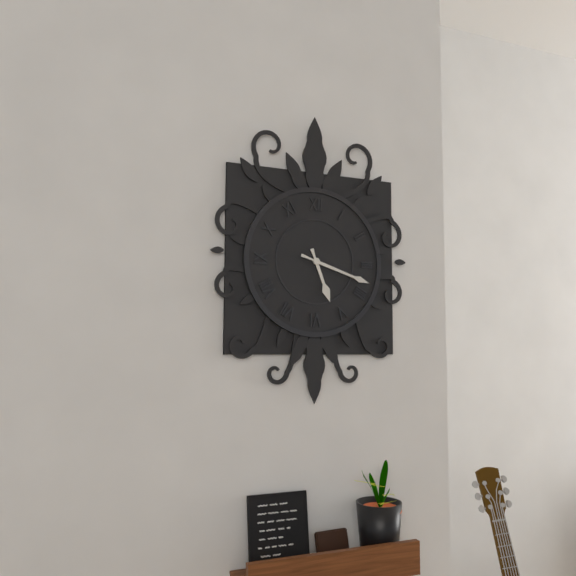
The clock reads h=5 m=18
